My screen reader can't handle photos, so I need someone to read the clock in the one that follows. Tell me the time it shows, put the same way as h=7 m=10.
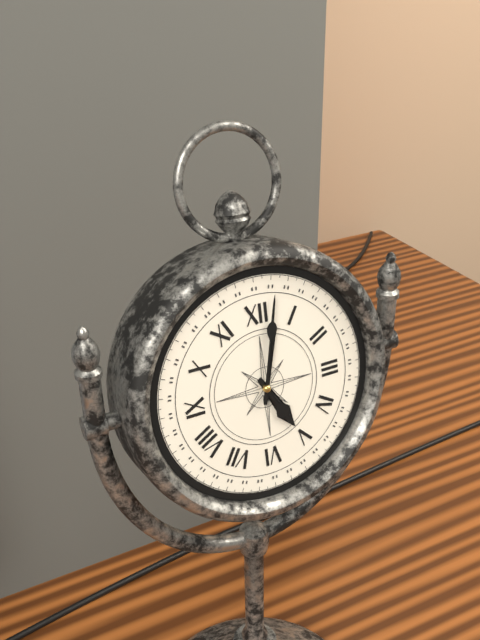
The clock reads h=5 m=2
